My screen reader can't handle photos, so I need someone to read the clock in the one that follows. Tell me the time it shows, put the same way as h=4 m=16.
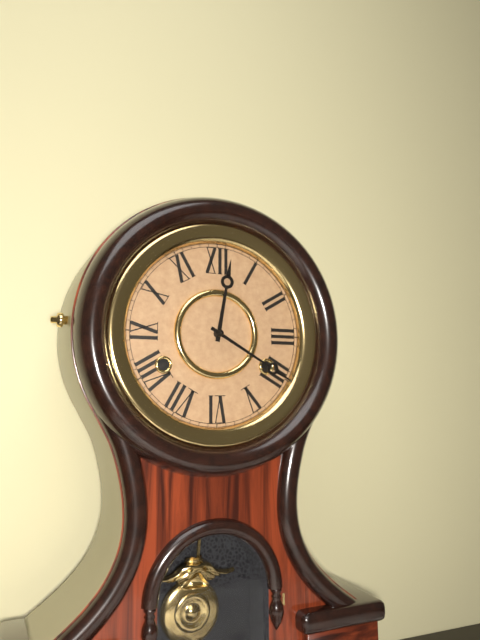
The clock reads h=12 m=20
